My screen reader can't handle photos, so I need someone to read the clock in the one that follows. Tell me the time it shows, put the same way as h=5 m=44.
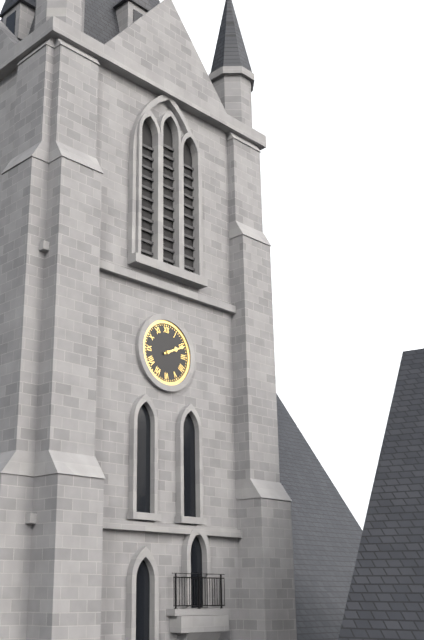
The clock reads h=2 m=11
